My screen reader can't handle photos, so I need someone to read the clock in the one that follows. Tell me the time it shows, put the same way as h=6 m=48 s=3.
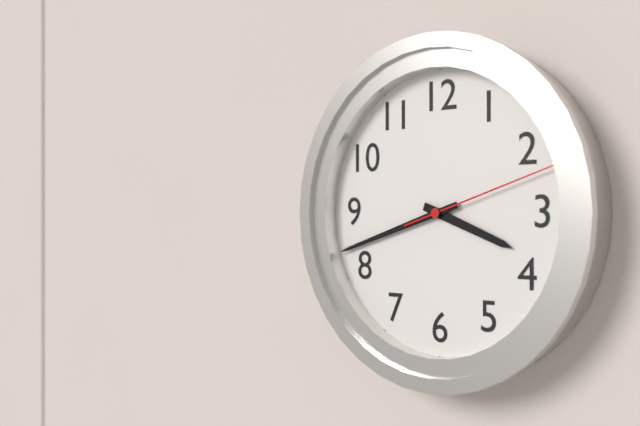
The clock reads h=3 m=42 s=12
